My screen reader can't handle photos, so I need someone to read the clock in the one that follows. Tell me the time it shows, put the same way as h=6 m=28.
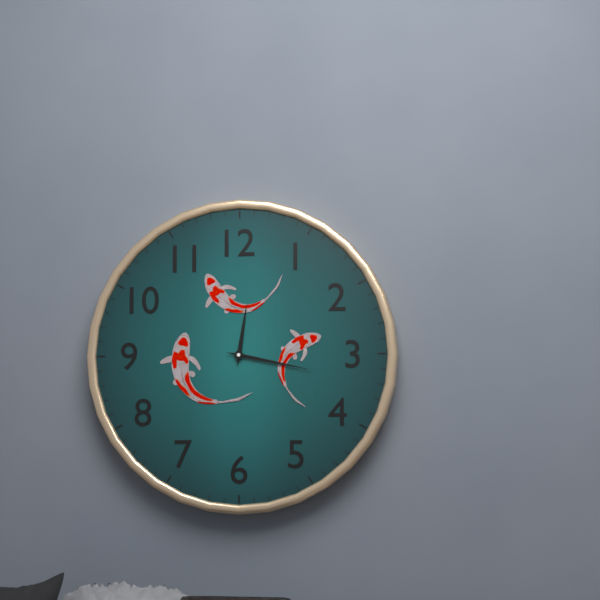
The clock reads h=12 m=17
